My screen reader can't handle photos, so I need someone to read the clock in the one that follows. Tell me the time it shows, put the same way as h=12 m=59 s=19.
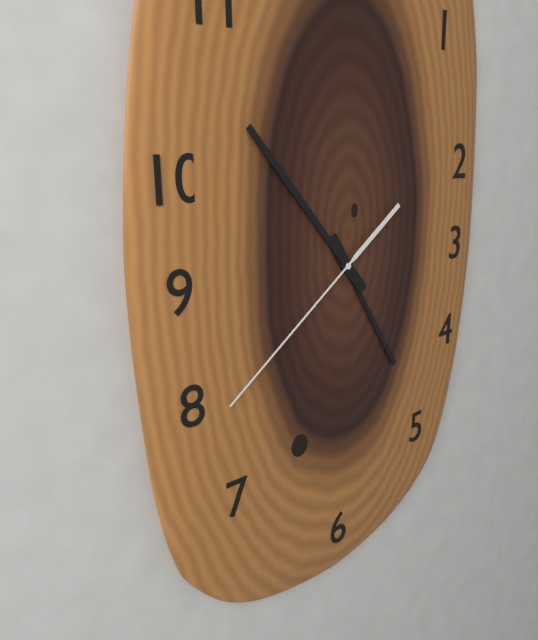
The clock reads h=4 m=53 s=39
